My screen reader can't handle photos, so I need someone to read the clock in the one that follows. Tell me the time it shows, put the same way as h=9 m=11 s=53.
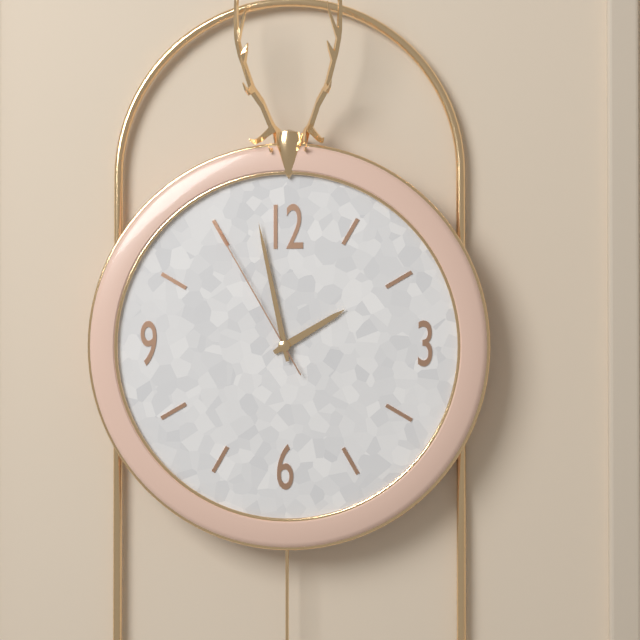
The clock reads h=1 m=58 s=55
